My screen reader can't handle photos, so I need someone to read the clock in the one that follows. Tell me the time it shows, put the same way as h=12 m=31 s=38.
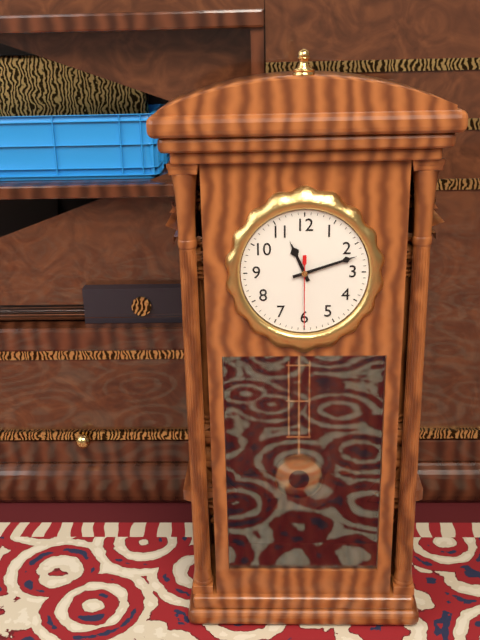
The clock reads h=11 m=12 s=30
